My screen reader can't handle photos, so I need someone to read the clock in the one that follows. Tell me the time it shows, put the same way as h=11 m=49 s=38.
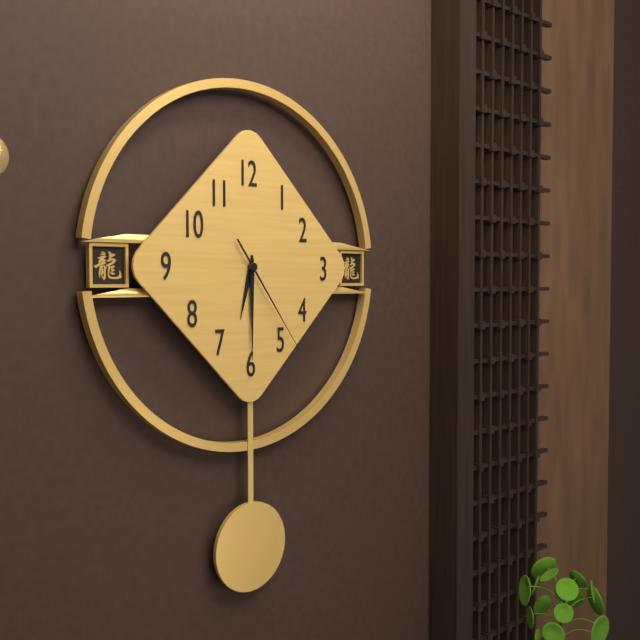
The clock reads h=6 m=30 s=24
